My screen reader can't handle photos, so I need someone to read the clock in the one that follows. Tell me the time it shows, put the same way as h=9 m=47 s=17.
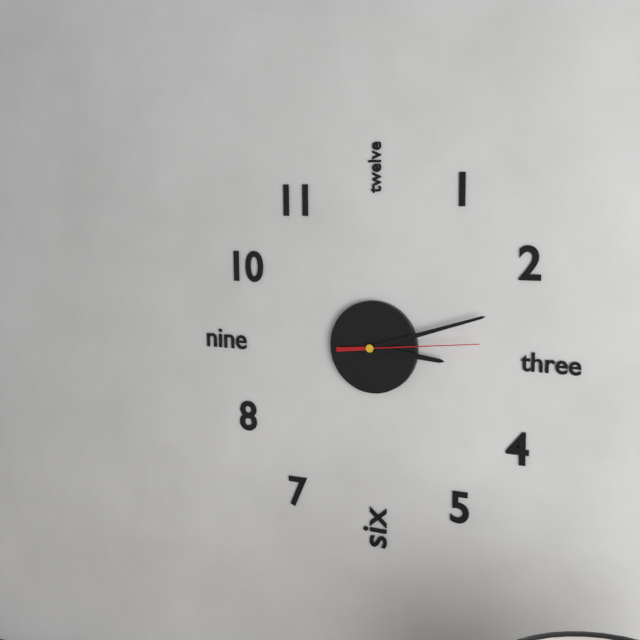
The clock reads h=3 m=12 s=14
